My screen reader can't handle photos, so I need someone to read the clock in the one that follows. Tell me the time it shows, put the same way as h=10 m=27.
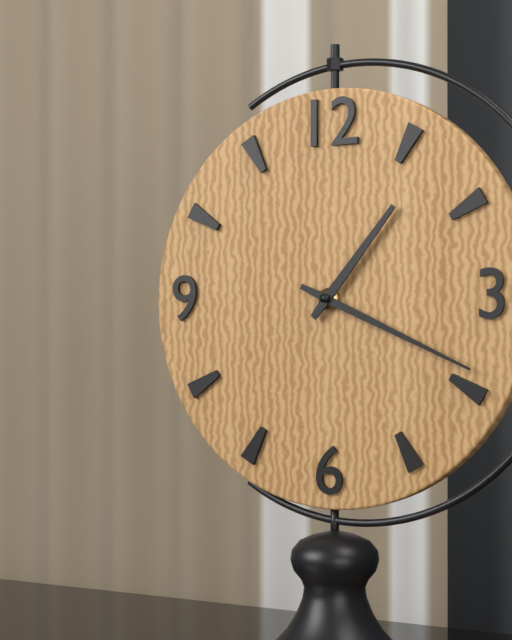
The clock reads h=1 m=19
